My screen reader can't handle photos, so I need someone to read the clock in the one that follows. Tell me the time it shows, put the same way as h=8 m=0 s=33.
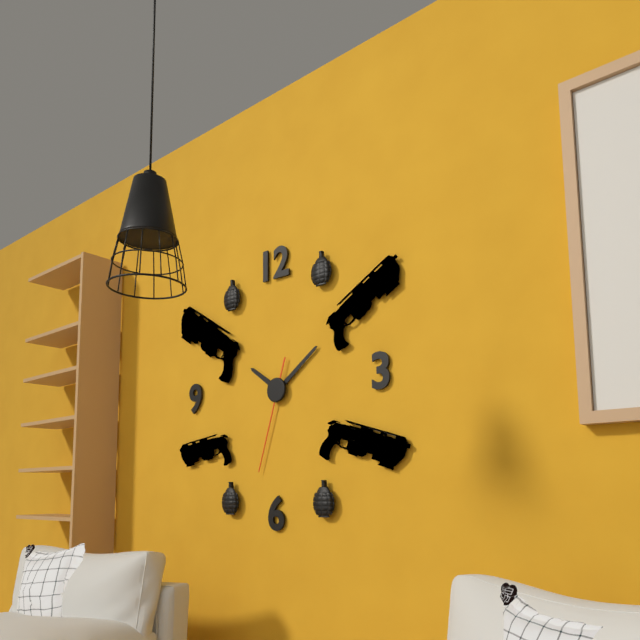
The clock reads h=10 m=9 s=33
